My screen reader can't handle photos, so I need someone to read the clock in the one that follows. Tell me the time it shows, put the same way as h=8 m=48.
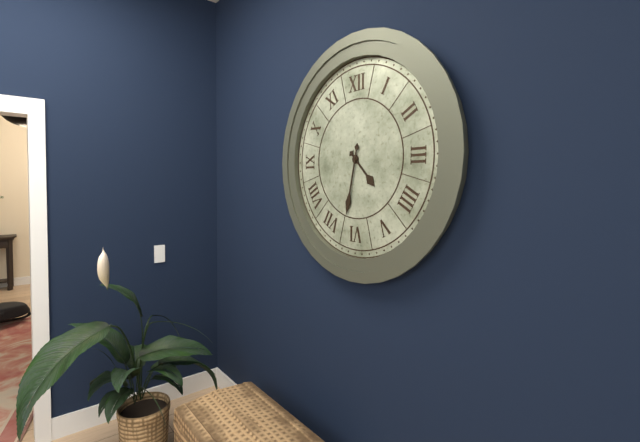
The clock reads h=4 m=32
